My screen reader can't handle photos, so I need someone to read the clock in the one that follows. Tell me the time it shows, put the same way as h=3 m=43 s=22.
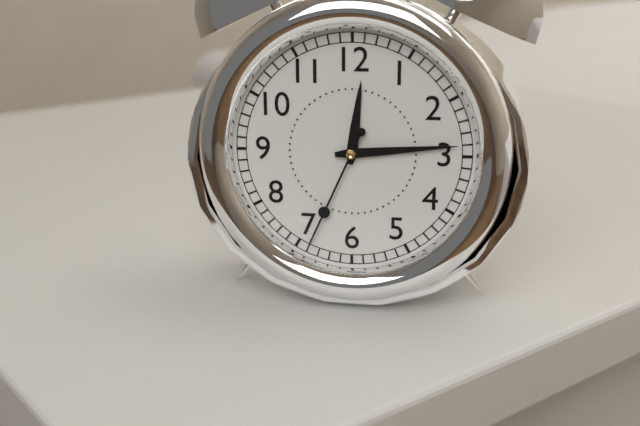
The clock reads h=12 m=14 s=34
